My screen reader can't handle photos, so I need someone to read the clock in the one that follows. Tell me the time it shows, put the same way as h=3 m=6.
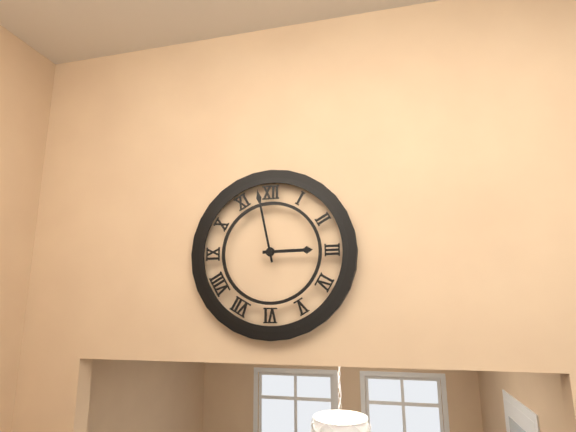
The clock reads h=2 m=58
